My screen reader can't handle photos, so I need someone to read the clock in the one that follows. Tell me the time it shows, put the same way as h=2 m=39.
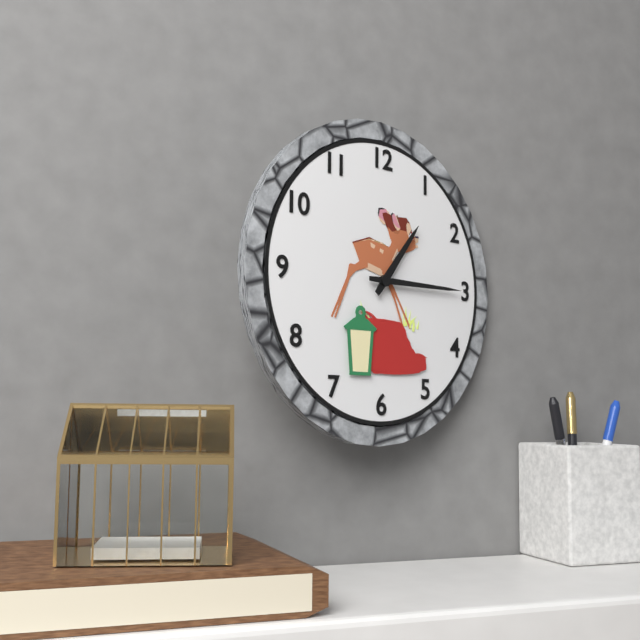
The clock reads h=1 m=15
